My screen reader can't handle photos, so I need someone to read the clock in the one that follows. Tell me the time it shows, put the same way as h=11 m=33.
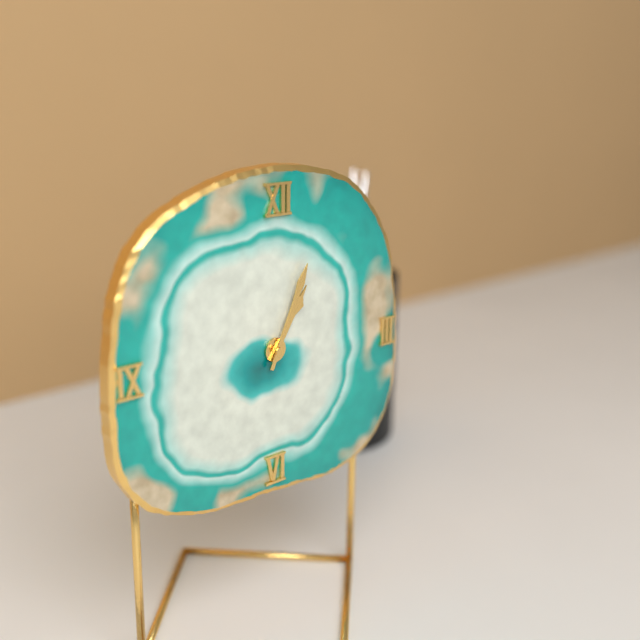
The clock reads h=1 m=4
